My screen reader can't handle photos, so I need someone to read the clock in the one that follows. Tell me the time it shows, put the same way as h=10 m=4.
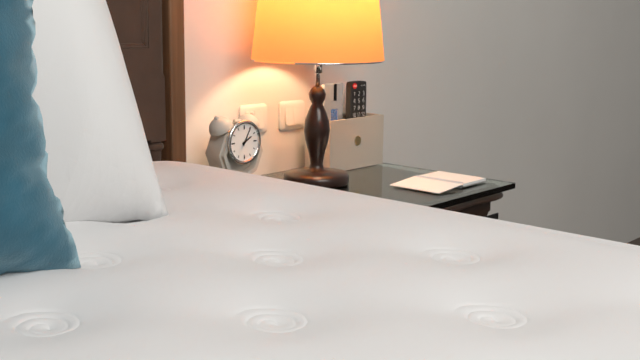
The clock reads h=2 m=5
